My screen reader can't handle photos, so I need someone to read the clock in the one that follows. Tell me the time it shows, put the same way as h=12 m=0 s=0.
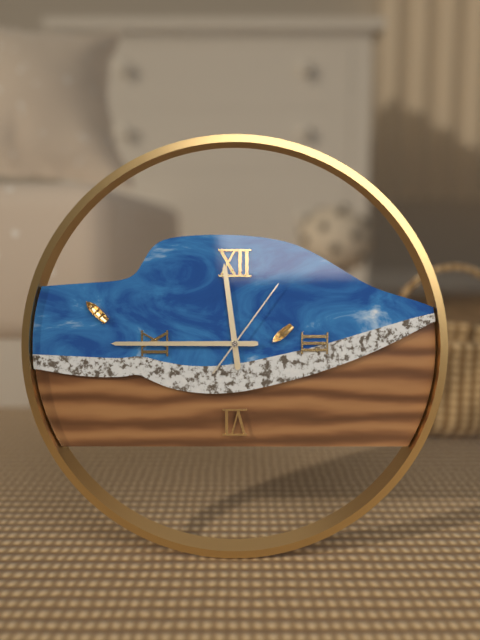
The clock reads h=11 m=45 s=6
